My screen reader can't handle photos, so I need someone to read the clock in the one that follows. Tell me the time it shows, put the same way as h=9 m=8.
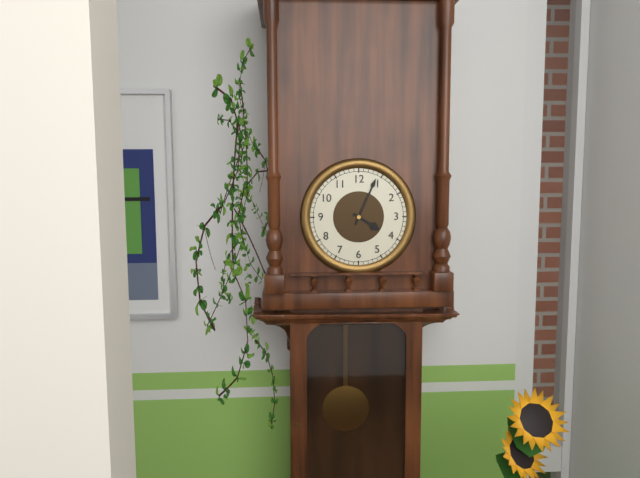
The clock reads h=4 m=4
